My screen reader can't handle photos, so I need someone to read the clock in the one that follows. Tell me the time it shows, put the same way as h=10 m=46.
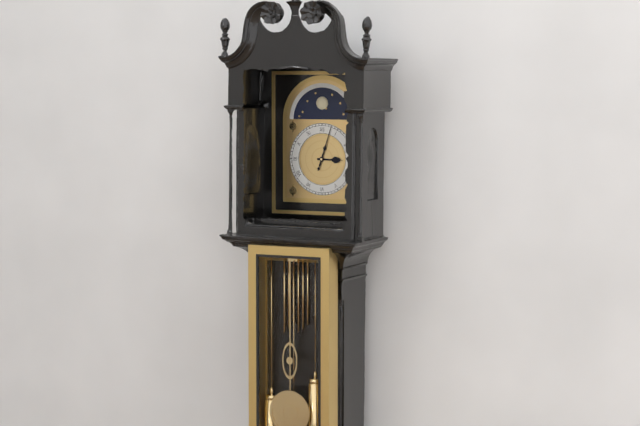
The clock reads h=3 m=3
